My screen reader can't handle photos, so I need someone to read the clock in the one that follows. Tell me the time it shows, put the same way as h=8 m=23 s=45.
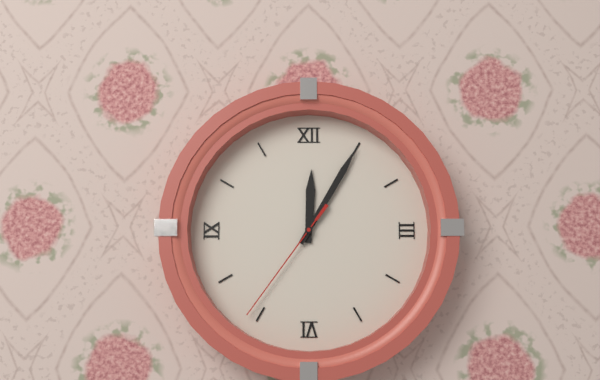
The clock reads h=12 m=5 s=36
